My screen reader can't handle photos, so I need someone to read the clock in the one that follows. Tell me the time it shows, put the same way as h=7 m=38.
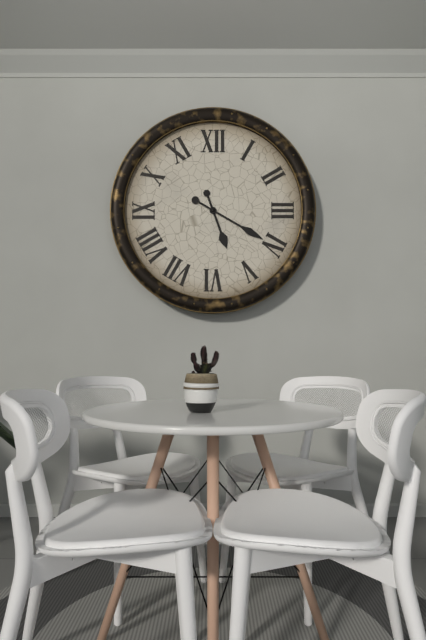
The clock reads h=5 m=20
